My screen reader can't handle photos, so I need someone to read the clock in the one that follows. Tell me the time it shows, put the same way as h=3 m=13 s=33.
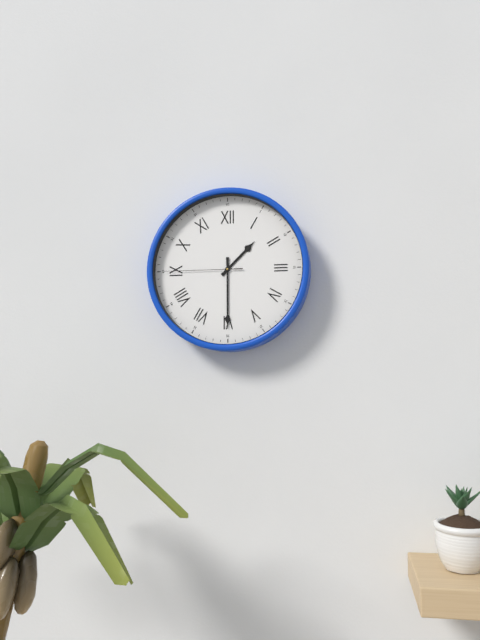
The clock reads h=1 m=30 s=45
